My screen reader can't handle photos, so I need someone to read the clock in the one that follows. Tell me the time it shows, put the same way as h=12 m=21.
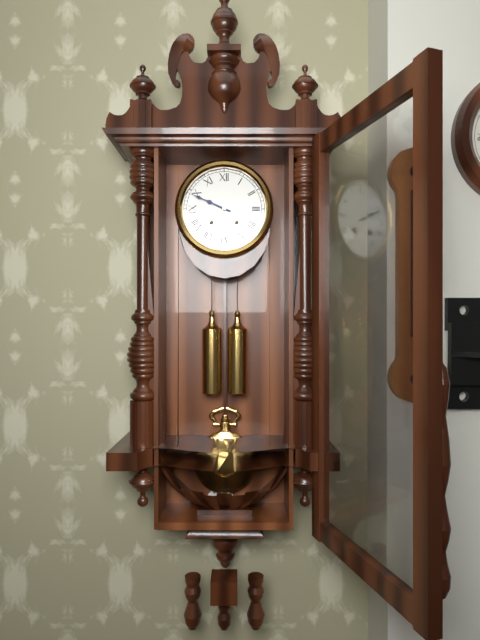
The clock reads h=9 m=49
